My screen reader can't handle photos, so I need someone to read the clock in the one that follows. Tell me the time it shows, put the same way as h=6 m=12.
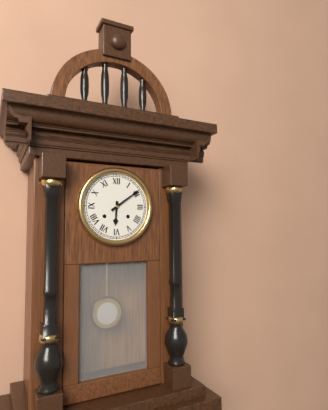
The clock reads h=6 m=9
